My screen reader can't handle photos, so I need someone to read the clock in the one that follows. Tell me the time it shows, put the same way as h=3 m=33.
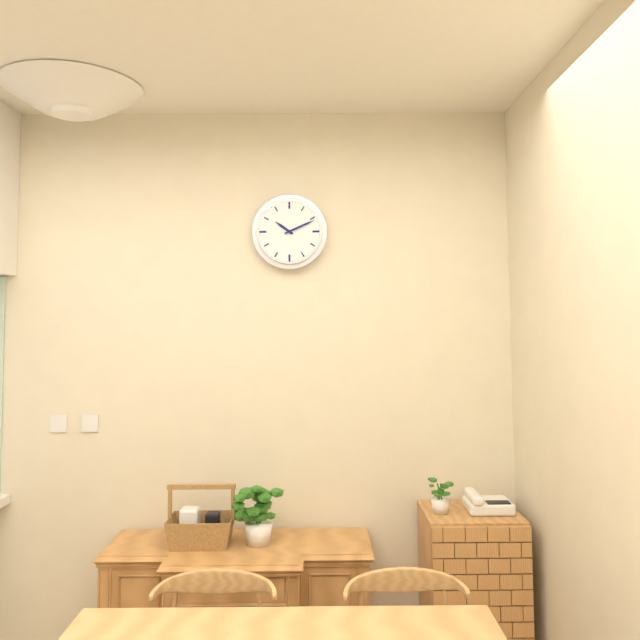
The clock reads h=10 m=11
